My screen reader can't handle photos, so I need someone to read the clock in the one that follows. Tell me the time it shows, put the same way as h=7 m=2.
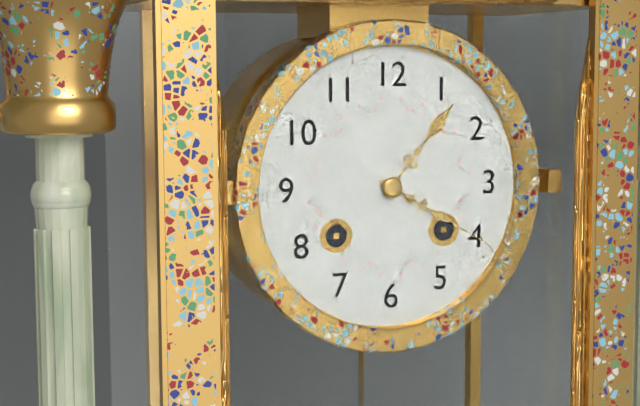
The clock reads h=1 m=20
